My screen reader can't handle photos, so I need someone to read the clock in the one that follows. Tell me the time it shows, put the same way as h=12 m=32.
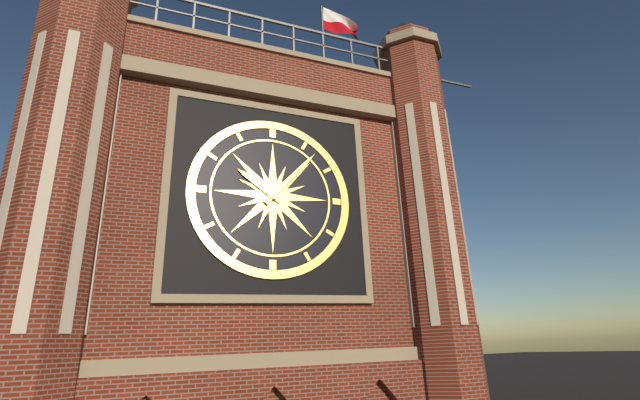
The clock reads h=10 m=7
